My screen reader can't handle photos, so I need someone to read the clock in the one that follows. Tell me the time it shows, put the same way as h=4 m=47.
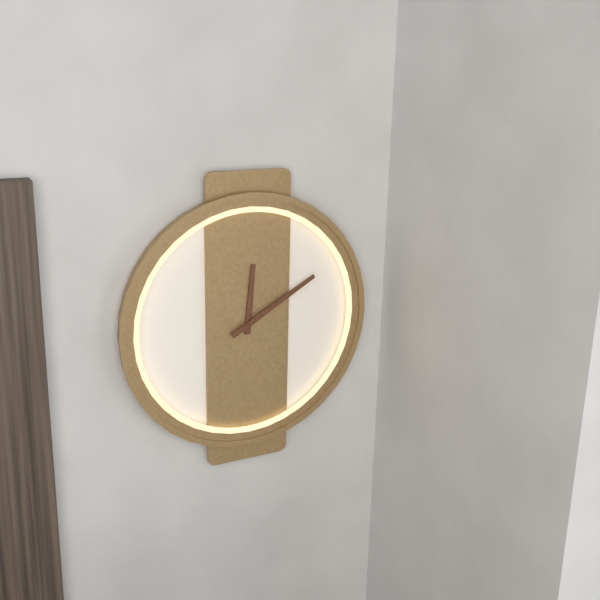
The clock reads h=12 m=10
